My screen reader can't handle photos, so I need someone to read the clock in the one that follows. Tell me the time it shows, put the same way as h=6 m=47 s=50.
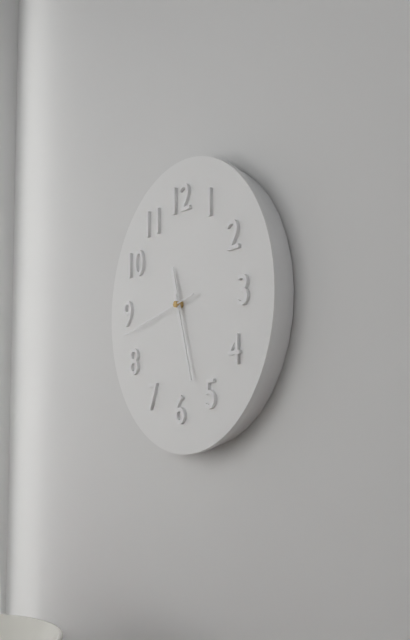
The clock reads h=11 m=27 s=43
